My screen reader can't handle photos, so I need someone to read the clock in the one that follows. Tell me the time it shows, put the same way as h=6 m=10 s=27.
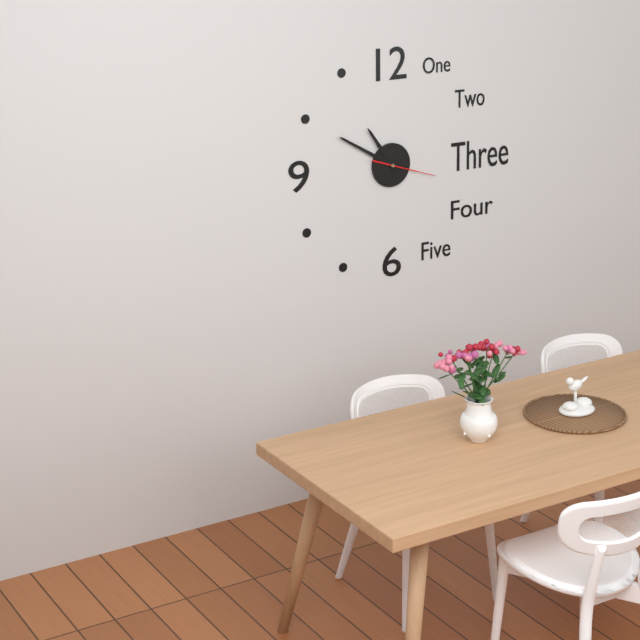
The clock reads h=10 m=50 s=18
